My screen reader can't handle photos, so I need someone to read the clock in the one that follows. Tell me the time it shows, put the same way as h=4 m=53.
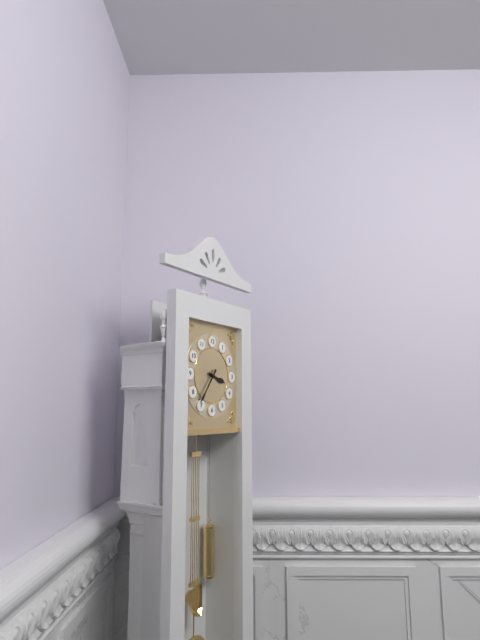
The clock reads h=3 m=36
